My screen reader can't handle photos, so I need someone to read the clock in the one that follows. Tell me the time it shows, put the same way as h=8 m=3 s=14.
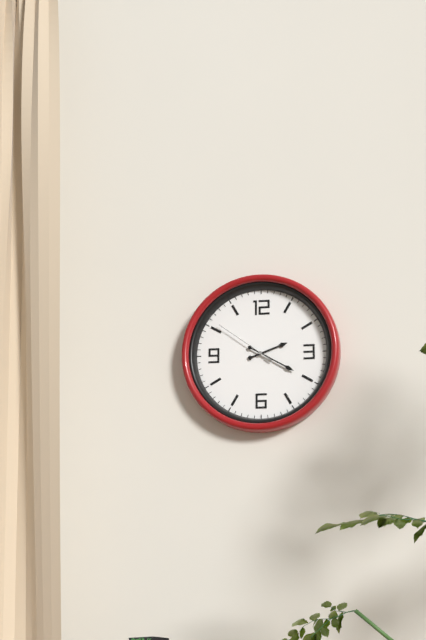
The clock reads h=2 m=20 s=51
